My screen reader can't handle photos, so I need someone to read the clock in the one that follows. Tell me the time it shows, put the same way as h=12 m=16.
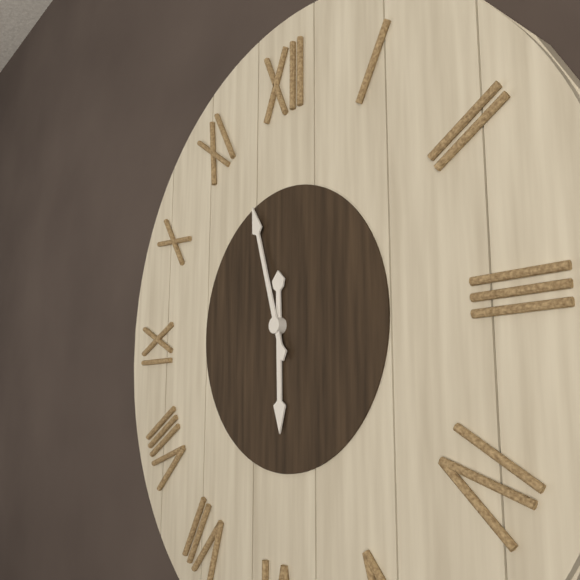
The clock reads h=5 m=57
